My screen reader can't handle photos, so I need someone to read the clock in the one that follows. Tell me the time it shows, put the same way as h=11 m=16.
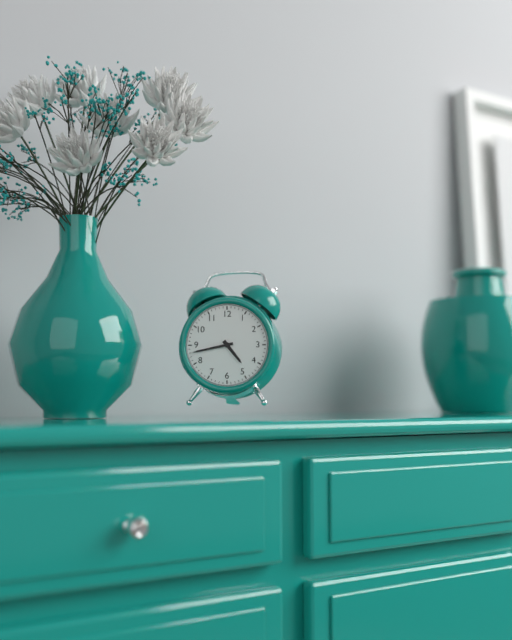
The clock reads h=4 m=43
